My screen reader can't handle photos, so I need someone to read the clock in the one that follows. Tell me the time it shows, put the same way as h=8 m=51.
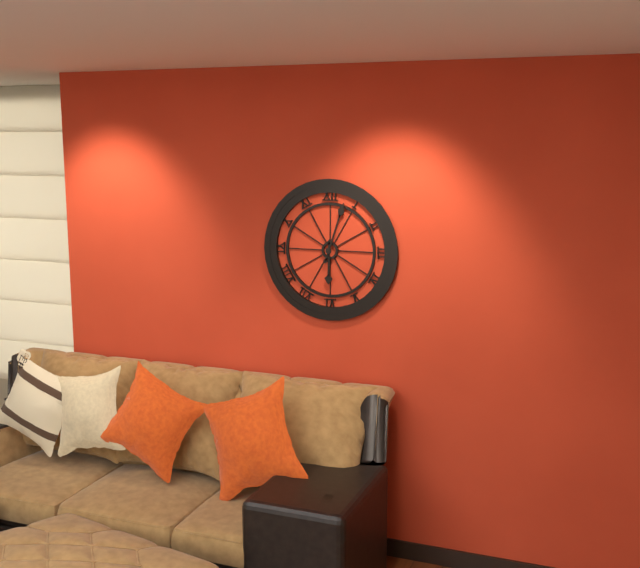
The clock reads h=6 m=3
